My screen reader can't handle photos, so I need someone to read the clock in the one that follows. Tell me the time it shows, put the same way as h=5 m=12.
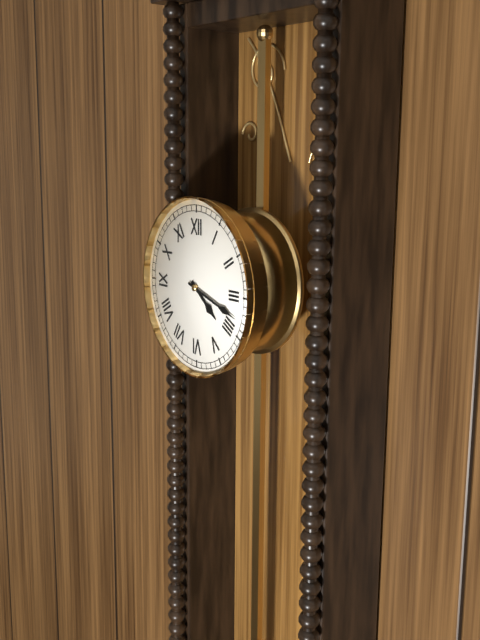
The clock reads h=4 m=18
